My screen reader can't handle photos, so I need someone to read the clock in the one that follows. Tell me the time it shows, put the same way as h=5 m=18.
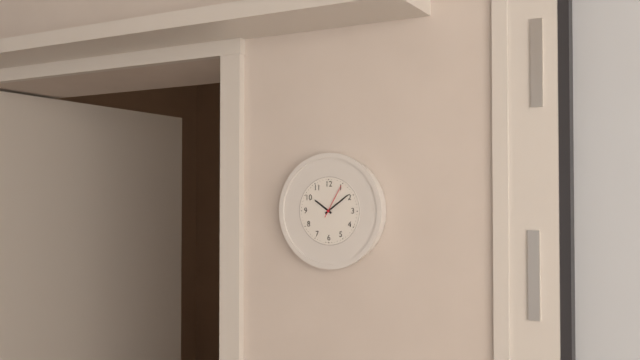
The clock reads h=10 m=9
